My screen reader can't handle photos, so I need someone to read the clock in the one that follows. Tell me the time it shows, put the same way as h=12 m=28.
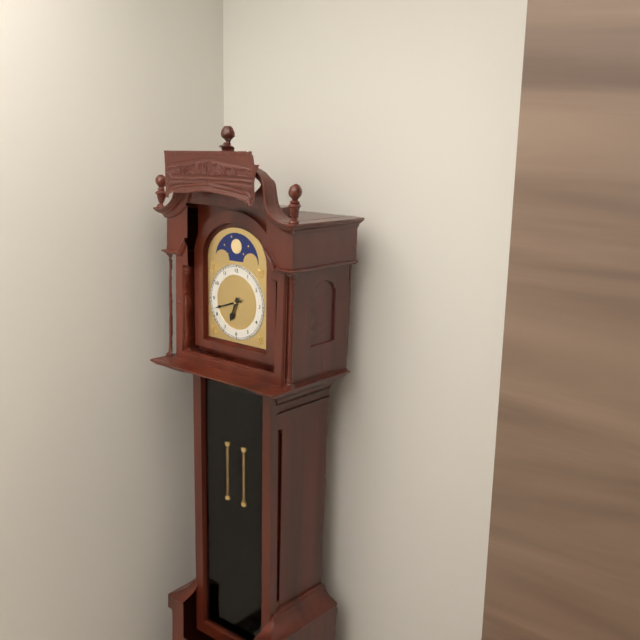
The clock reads h=6 m=42
